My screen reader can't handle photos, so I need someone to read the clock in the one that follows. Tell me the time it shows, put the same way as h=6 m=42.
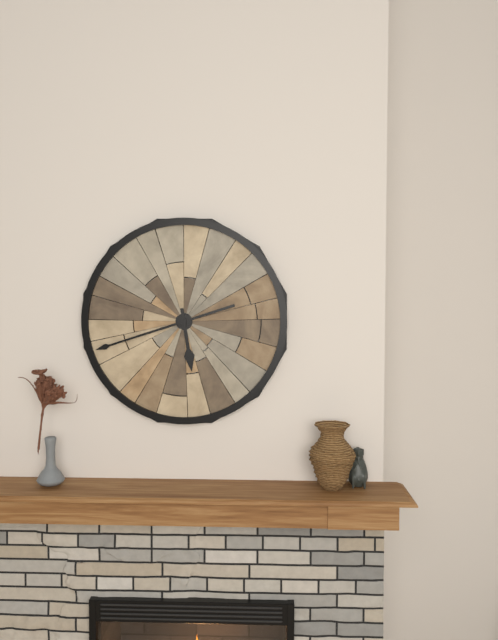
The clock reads h=5 m=42
